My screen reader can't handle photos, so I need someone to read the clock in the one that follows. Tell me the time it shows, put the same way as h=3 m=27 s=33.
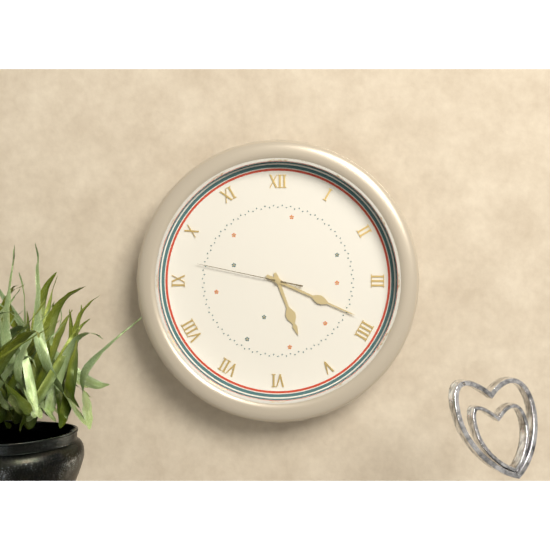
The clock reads h=5 m=19 s=47
